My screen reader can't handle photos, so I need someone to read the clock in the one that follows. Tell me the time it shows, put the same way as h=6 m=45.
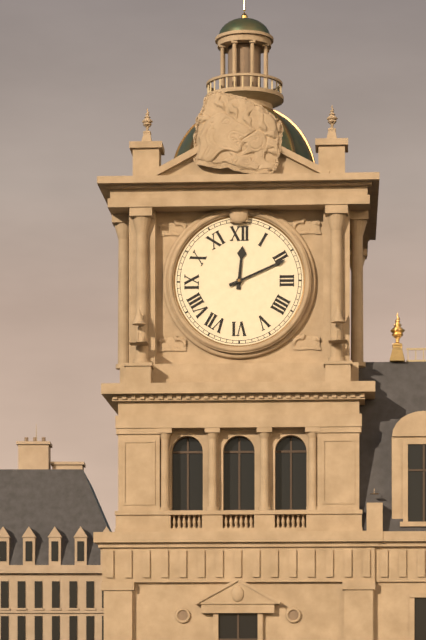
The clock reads h=12 m=11
